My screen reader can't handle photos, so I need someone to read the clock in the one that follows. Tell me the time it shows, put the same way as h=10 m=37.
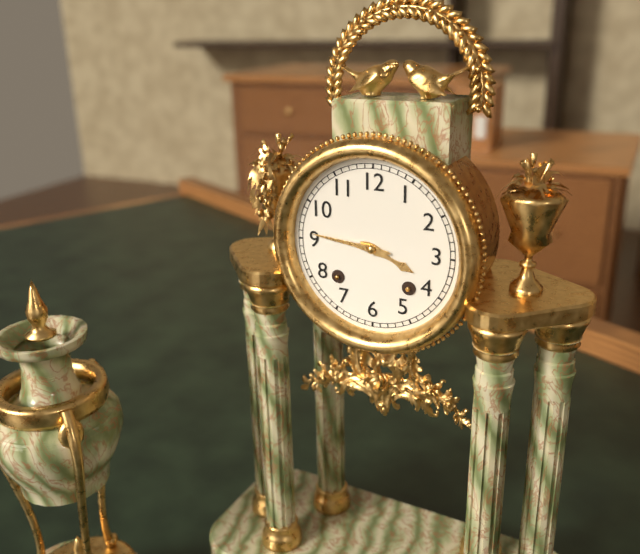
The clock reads h=3 m=46
